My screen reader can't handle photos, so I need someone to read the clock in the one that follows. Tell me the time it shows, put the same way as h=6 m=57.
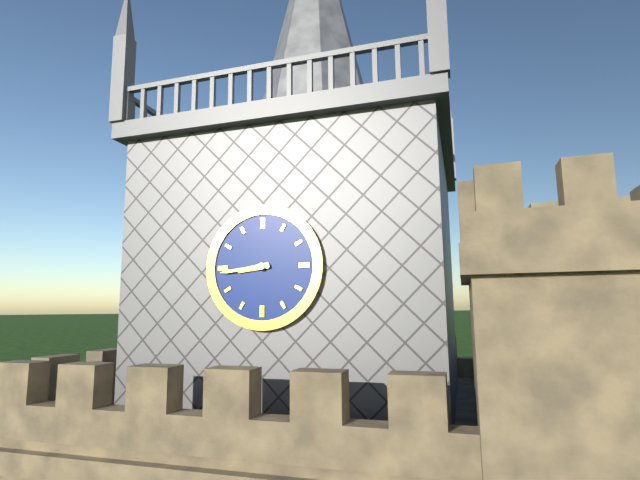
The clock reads h=8 m=44
